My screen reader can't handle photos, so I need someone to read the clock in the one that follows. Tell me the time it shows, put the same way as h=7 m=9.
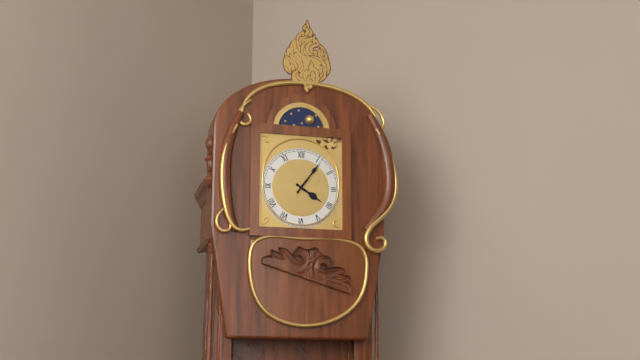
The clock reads h=4 m=6
